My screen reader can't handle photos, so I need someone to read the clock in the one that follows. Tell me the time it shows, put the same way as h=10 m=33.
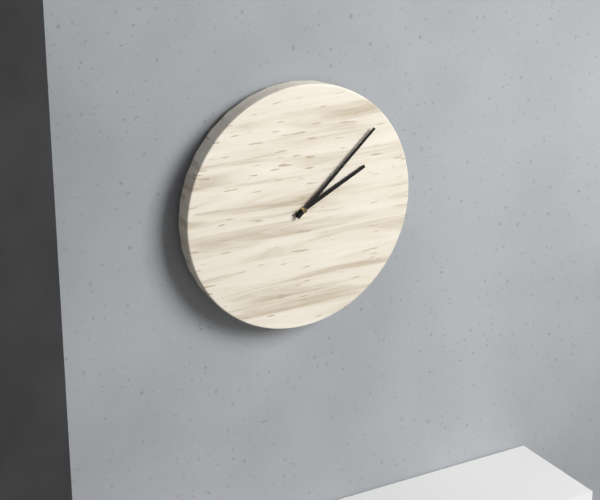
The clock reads h=2 m=8
